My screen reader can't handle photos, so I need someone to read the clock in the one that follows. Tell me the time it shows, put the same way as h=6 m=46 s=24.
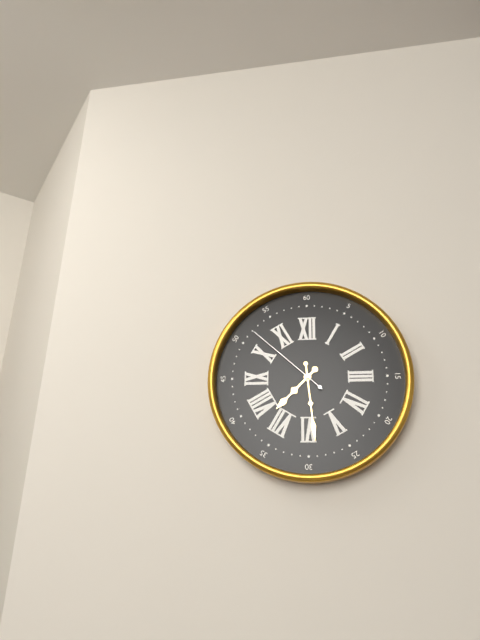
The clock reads h=7 m=29 s=52
